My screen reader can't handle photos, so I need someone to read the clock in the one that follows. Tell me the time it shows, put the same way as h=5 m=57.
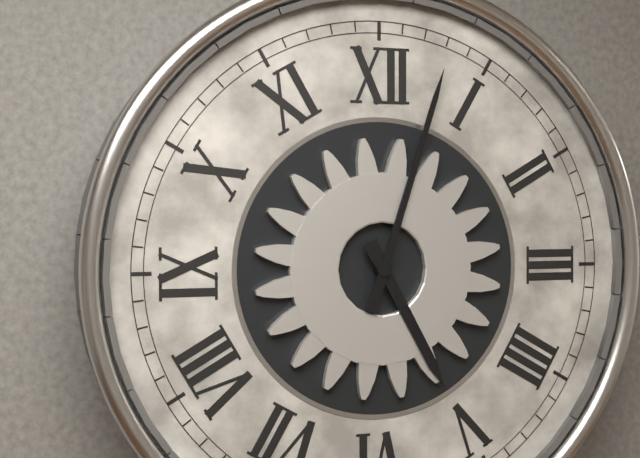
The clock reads h=5 m=3
